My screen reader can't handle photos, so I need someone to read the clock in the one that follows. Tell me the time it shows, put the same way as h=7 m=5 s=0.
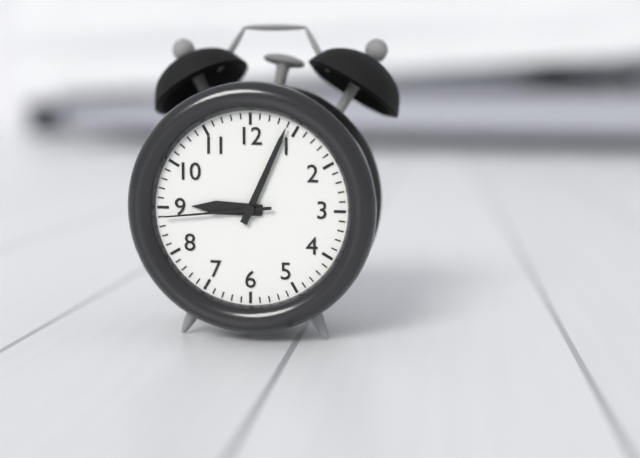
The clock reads h=9 m=4 s=44
